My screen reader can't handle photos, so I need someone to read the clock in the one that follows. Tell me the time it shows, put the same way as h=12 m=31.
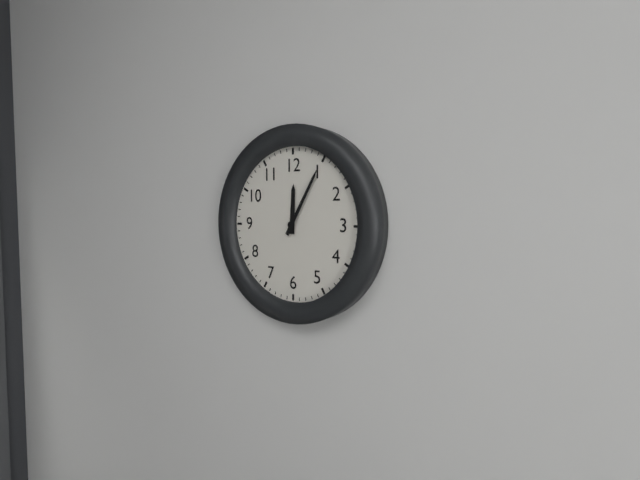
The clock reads h=12 m=5
